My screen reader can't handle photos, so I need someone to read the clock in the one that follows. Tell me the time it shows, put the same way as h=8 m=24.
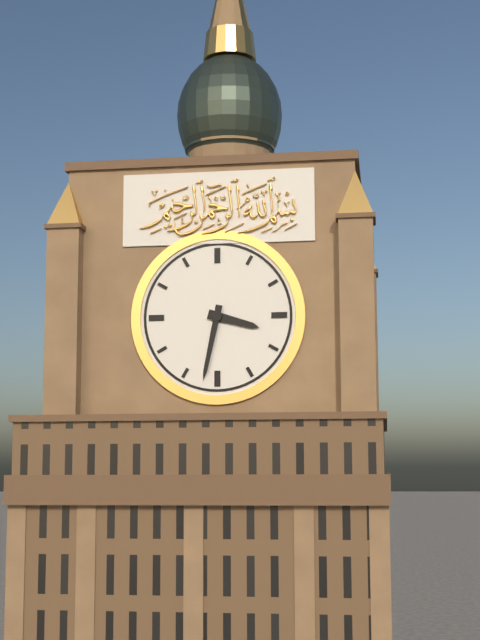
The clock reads h=3 m=32
